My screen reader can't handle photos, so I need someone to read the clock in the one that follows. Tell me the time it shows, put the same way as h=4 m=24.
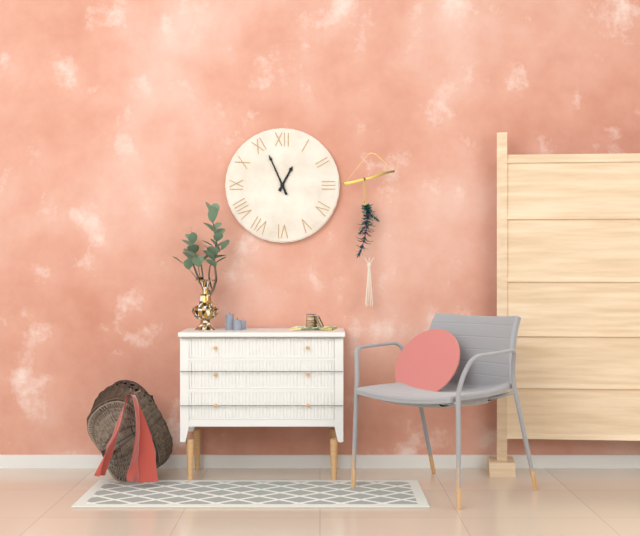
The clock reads h=12 m=56
